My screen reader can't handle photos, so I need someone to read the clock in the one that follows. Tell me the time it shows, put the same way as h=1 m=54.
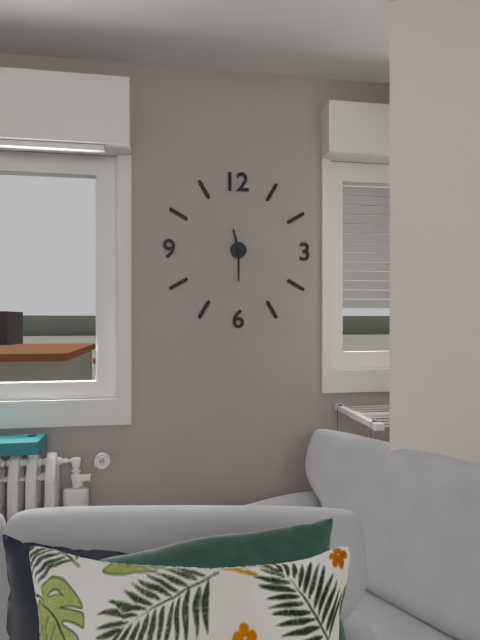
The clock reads h=11 m=30
